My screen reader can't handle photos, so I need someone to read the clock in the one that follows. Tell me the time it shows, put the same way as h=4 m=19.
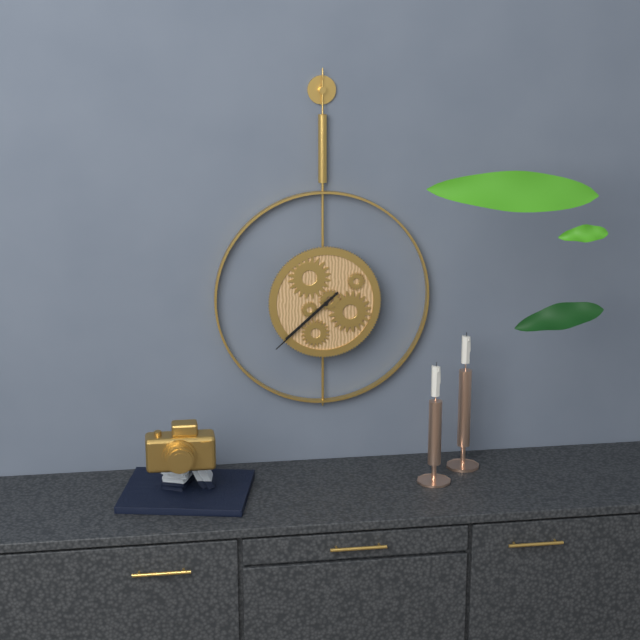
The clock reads h=7 m=38
